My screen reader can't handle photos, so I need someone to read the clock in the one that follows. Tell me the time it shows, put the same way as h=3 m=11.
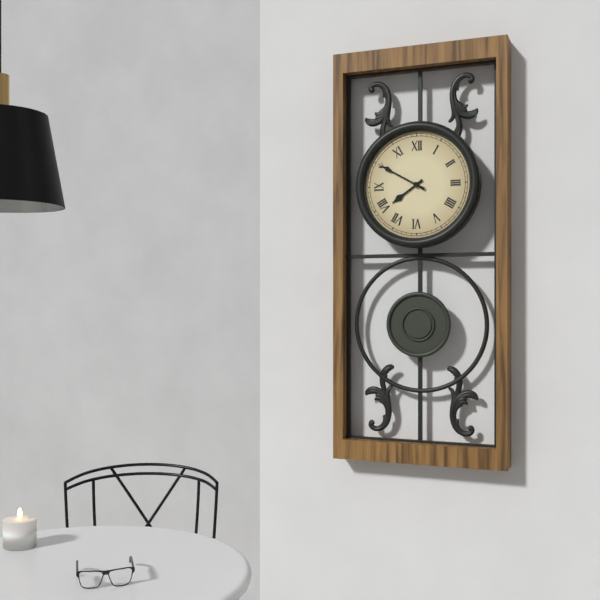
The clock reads h=7 m=50
